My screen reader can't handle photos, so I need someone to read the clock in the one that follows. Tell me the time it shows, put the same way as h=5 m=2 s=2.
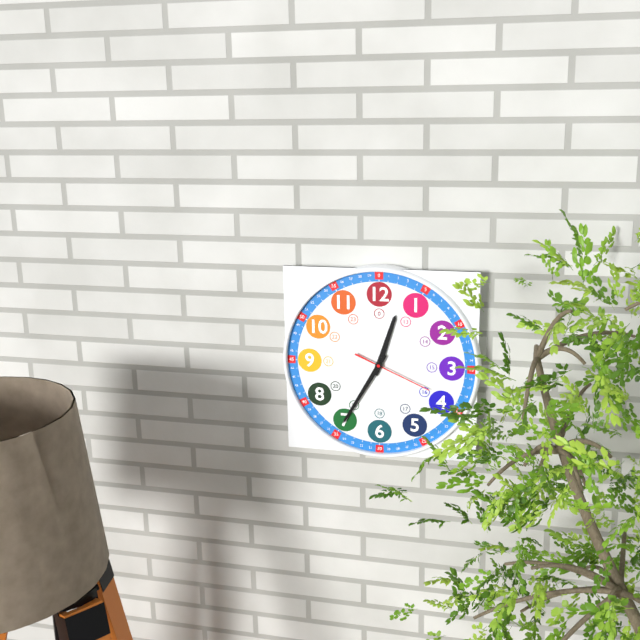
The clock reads h=12 m=35 s=19
